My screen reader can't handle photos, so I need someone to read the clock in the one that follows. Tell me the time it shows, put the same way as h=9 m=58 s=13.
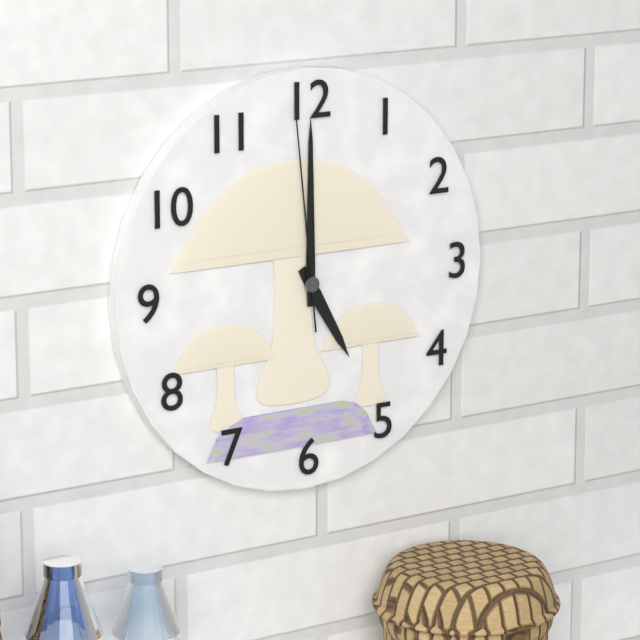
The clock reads h=5 m=0 s=59
